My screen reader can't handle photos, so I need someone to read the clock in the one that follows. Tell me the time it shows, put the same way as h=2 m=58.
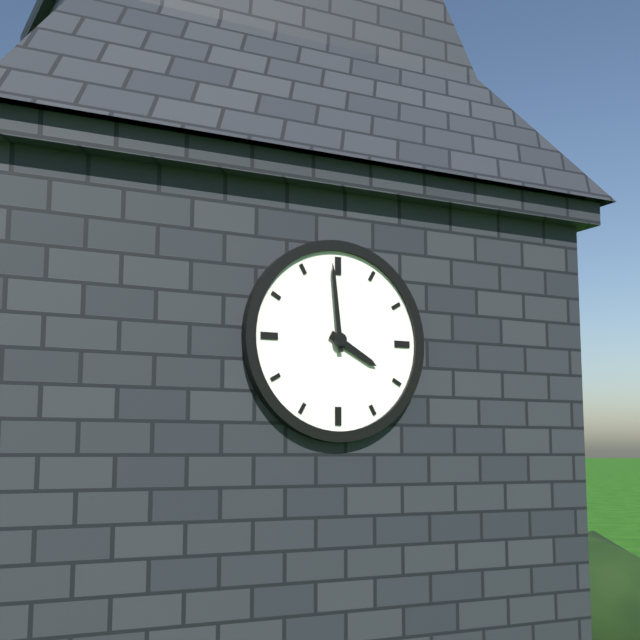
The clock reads h=3 m=59
